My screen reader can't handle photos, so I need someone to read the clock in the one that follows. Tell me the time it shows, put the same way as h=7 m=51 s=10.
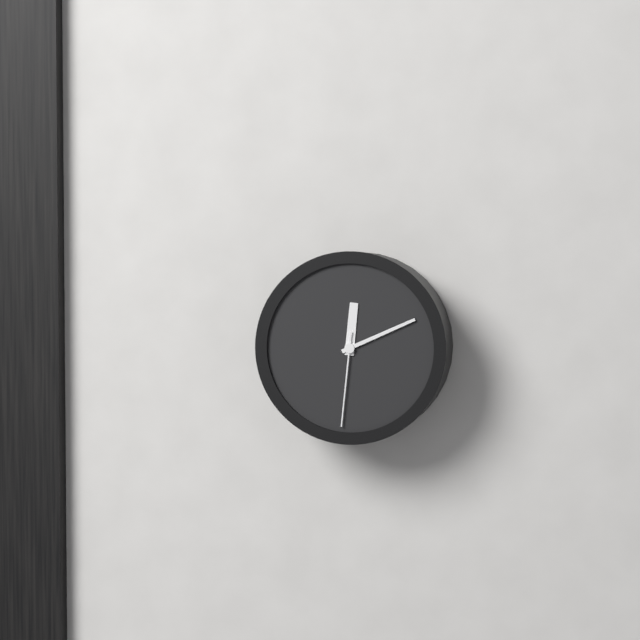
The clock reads h=12 m=11 s=31
